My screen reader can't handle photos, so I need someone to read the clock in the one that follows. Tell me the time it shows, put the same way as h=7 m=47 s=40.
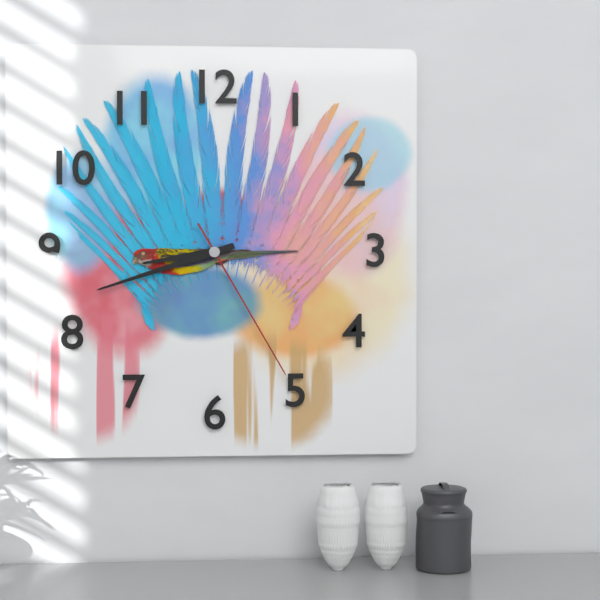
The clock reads h=8 m=42 s=25
